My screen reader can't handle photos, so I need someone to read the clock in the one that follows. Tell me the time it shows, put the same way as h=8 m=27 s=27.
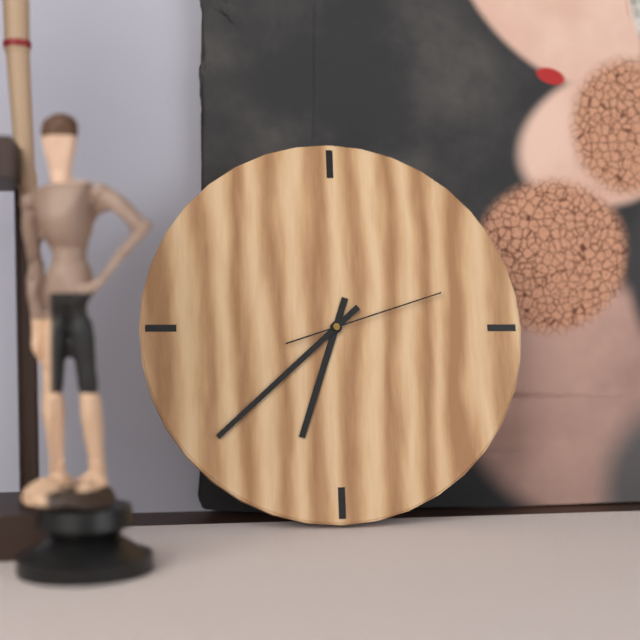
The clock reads h=6 m=38 s=12
